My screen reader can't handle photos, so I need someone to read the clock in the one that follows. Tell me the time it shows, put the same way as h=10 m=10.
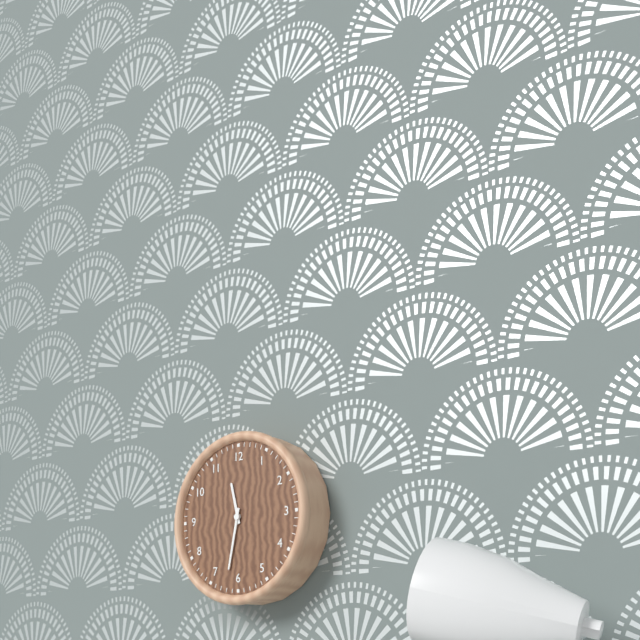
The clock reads h=11 m=32
